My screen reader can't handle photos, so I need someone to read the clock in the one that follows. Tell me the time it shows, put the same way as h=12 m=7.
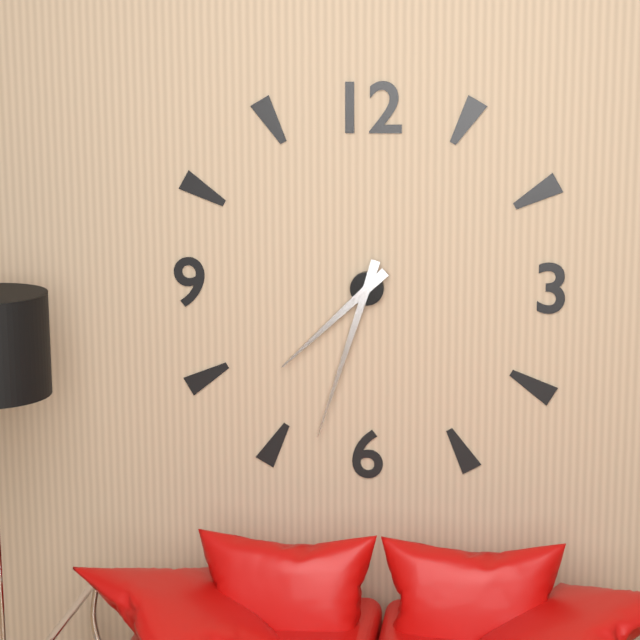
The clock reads h=7 m=33
